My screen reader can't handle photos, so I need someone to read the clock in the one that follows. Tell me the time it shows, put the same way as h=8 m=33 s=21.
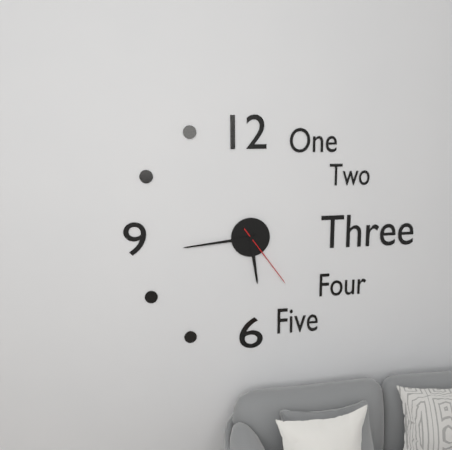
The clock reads h=5 m=44 s=24
